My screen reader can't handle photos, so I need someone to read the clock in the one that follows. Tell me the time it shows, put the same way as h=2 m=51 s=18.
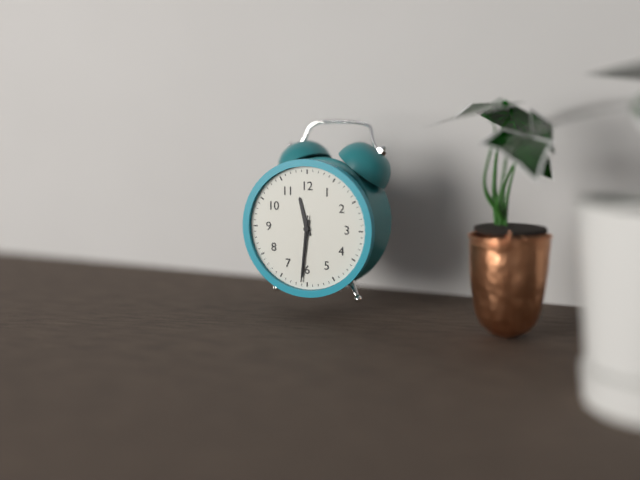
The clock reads h=11 m=31 s=31
